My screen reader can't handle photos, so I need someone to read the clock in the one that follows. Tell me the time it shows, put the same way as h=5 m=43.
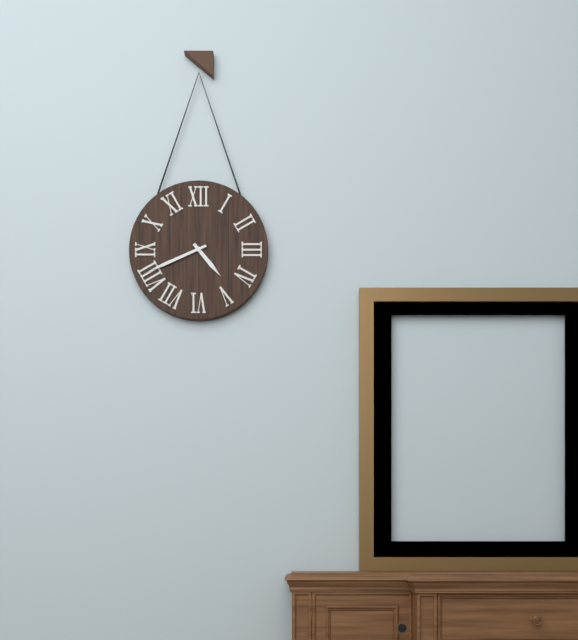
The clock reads h=4 m=41
